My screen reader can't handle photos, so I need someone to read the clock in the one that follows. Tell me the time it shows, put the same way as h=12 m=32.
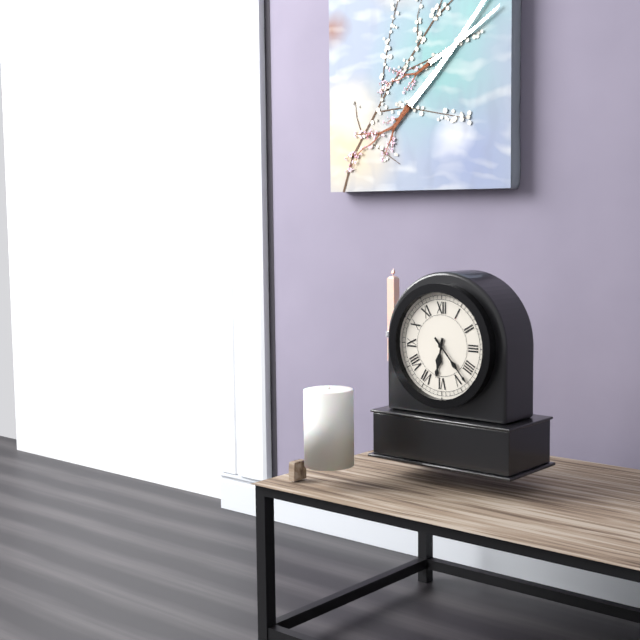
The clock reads h=6 m=23
